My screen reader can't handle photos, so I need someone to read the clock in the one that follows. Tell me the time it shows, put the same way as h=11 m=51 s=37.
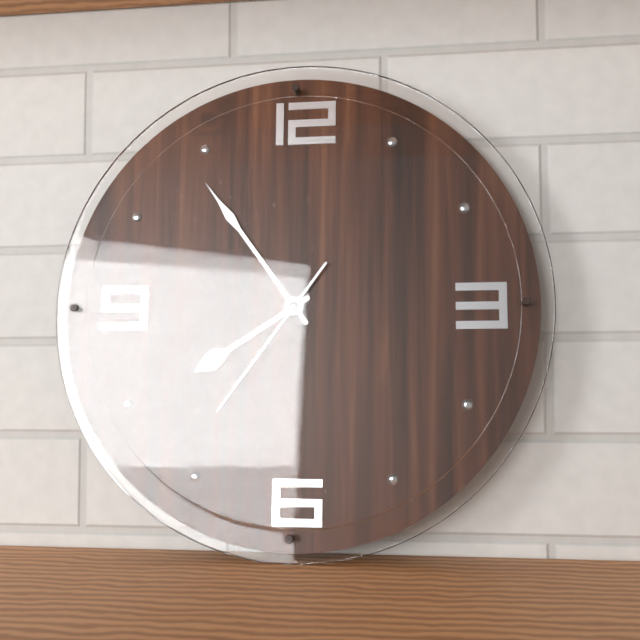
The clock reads h=7 m=54 s=36
